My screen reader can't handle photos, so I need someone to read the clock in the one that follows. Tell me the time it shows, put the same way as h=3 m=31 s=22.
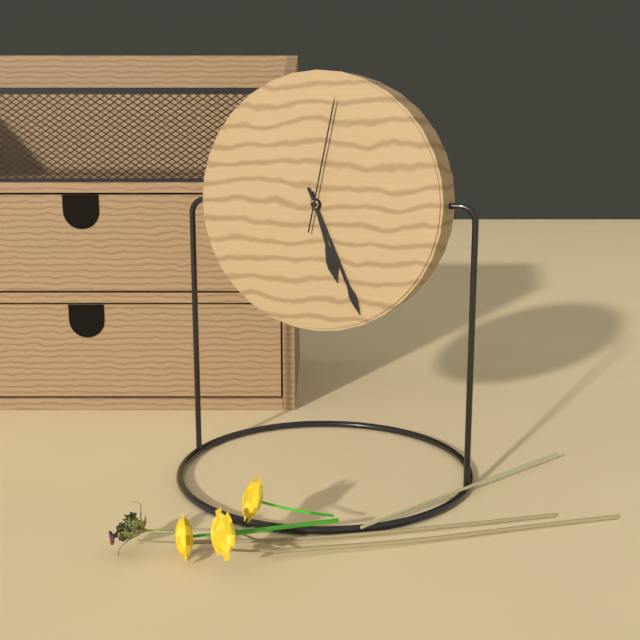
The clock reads h=5 m=26 s=2
